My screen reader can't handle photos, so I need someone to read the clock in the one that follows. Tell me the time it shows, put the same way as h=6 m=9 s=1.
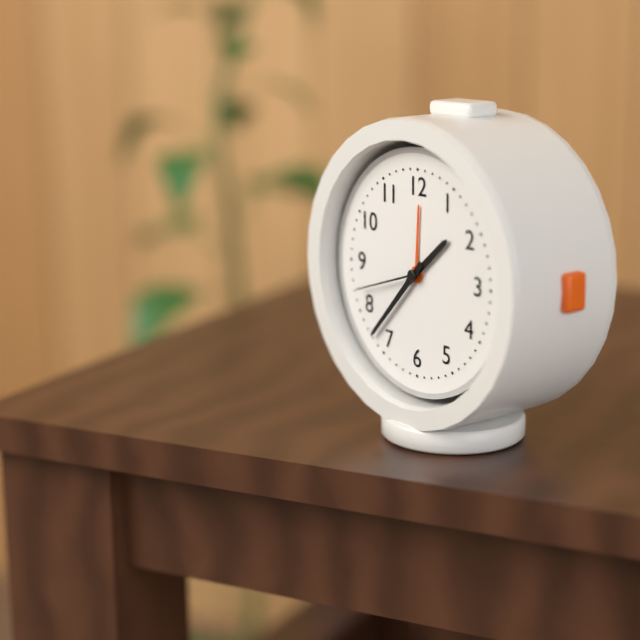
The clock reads h=1 m=37 s=42
